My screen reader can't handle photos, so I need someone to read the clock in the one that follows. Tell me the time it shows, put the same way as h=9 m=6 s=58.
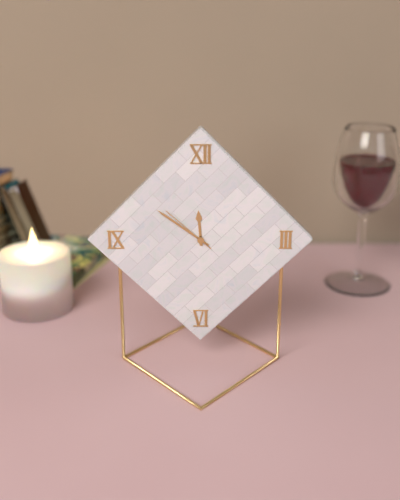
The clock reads h=11 m=51 s=52
